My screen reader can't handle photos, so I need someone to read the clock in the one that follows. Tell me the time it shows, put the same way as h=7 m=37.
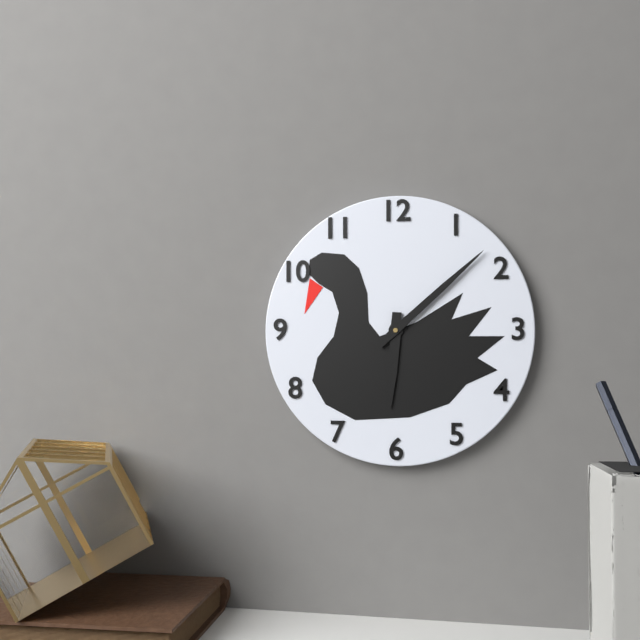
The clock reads h=6 m=8
